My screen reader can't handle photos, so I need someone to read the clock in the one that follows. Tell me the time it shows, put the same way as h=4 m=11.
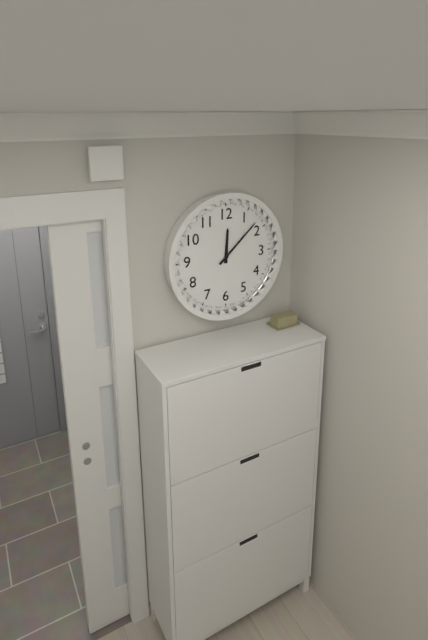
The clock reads h=12 m=8
